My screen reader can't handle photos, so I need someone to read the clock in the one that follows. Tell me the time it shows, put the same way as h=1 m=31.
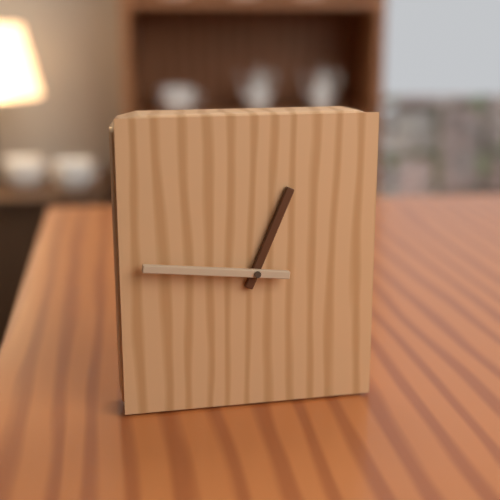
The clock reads h=12 m=46
